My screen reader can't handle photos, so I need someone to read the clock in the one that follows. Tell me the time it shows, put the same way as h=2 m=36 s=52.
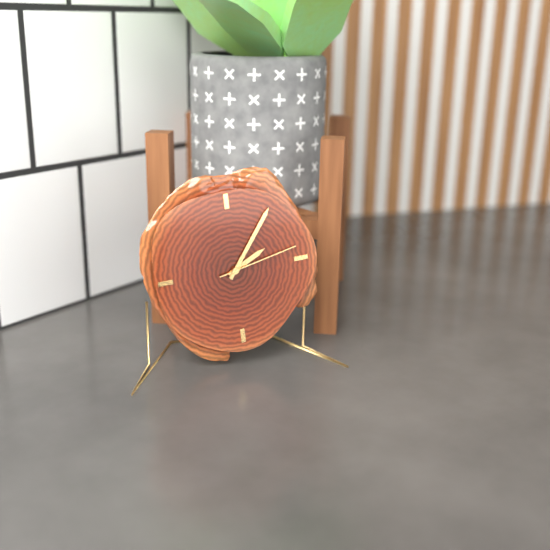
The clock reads h=2 m=6 s=13
